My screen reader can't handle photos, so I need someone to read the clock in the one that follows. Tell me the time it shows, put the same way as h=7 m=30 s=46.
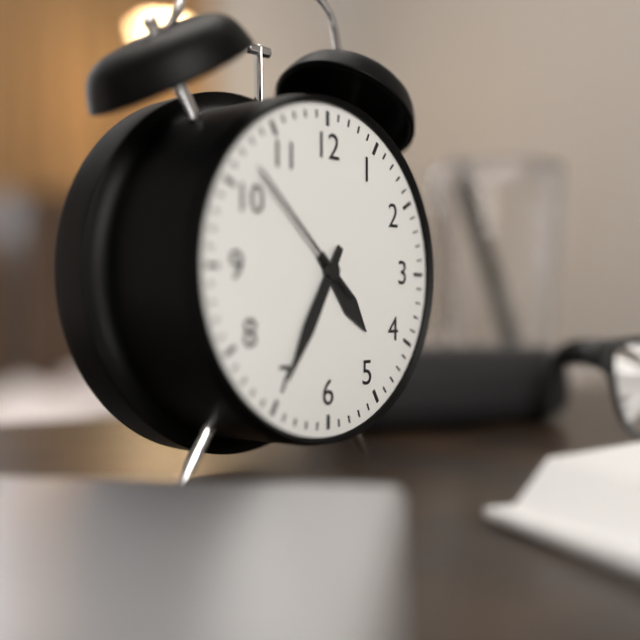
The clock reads h=4 m=35 s=52
